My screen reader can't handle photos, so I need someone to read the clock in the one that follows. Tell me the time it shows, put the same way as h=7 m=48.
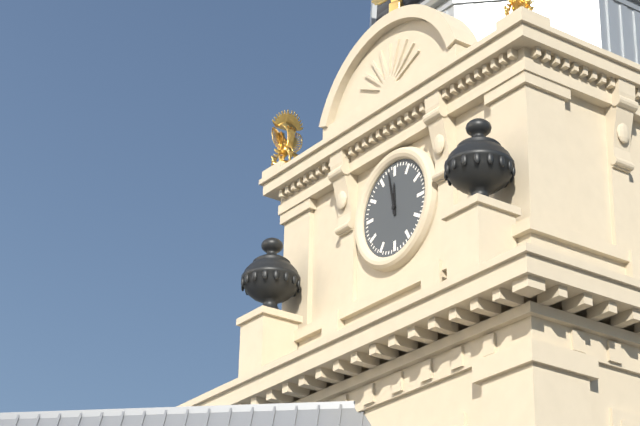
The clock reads h=11 m=58
